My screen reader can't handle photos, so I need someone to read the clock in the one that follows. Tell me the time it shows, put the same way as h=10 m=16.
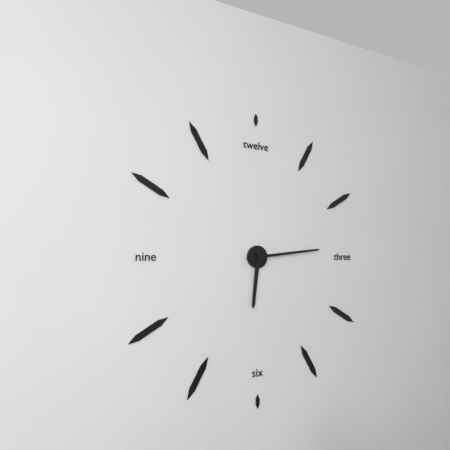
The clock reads h=6 m=14
